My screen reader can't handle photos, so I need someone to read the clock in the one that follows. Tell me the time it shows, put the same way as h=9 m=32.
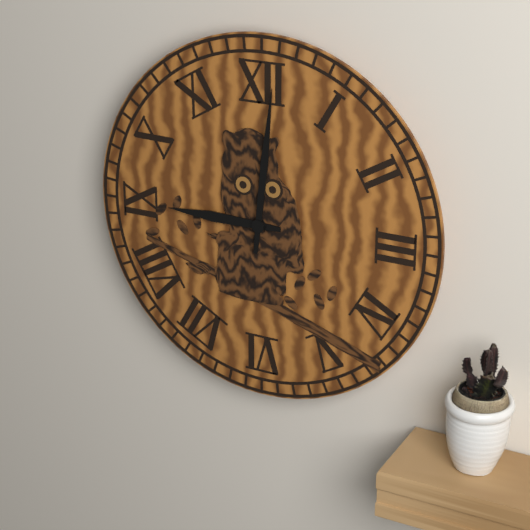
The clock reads h=9 m=1
